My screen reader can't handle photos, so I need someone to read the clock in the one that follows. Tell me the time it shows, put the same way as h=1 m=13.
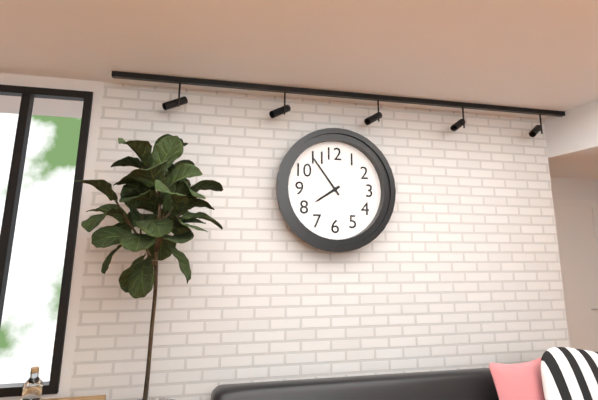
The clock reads h=7 m=54
